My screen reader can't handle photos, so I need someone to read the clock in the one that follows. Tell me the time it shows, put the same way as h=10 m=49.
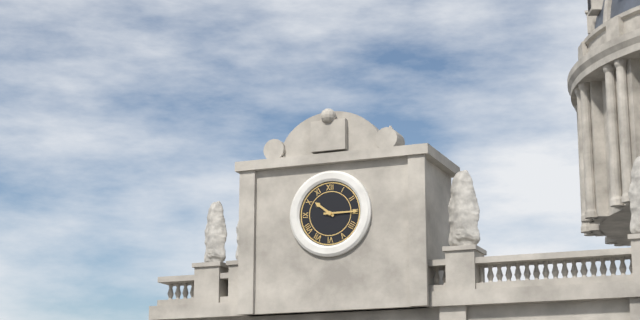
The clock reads h=10 m=15
